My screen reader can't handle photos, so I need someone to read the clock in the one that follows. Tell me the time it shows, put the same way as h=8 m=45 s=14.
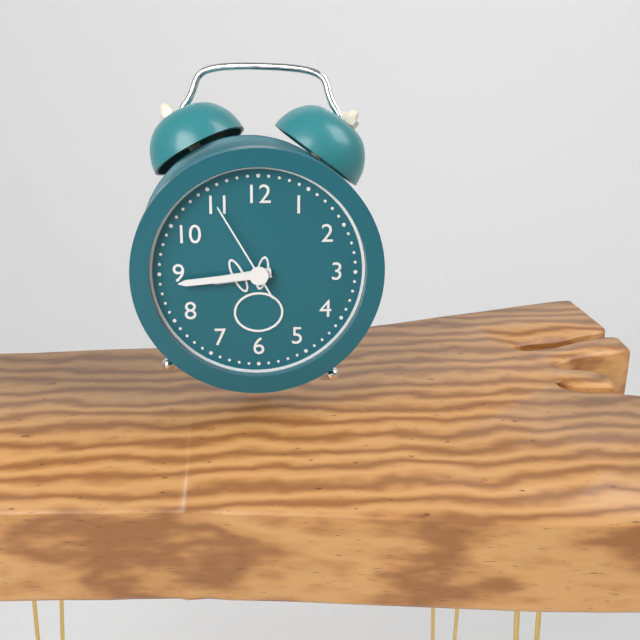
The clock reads h=8 m=44 s=55
